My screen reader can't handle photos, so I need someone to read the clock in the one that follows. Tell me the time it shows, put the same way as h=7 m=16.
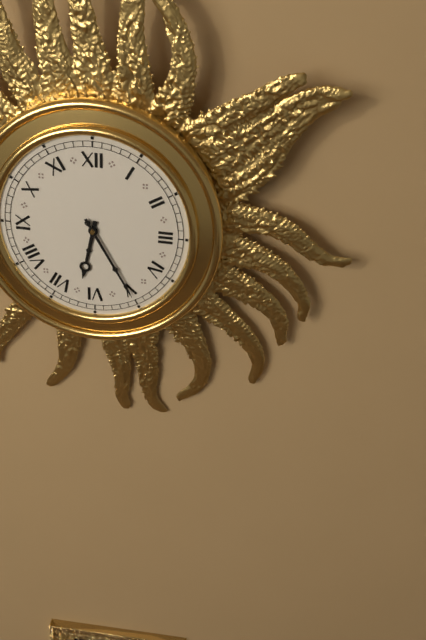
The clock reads h=6 m=25
